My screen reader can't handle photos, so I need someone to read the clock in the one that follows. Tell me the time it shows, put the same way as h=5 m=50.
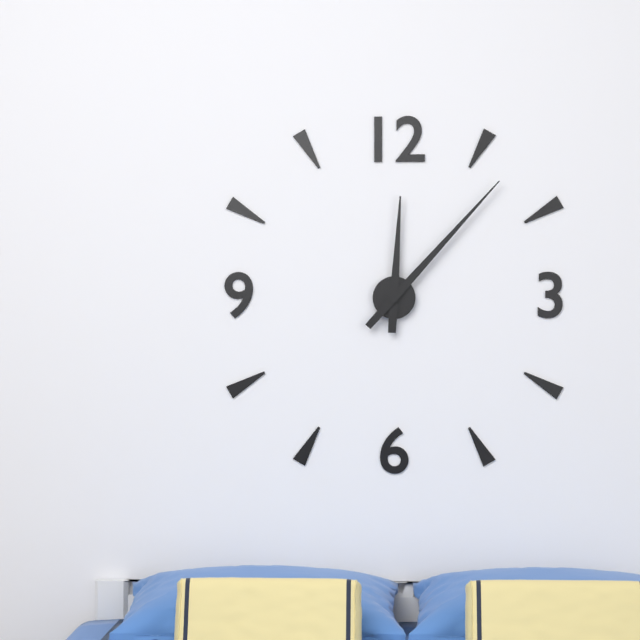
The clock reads h=12 m=7
